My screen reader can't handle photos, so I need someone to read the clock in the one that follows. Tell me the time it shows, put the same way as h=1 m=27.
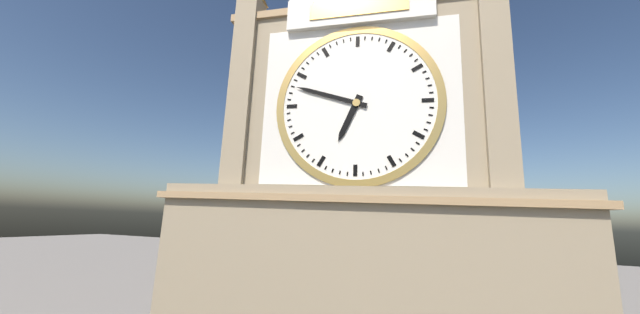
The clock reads h=6 m=48
